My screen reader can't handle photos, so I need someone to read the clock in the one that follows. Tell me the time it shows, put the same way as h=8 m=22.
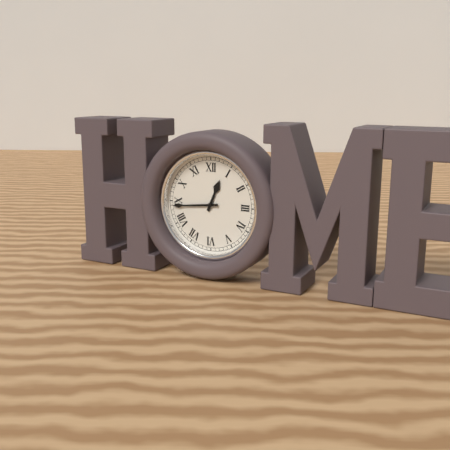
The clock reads h=12 m=44
